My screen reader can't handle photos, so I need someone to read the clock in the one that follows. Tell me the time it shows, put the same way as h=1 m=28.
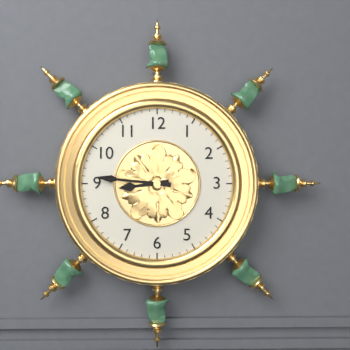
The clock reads h=8 m=46
